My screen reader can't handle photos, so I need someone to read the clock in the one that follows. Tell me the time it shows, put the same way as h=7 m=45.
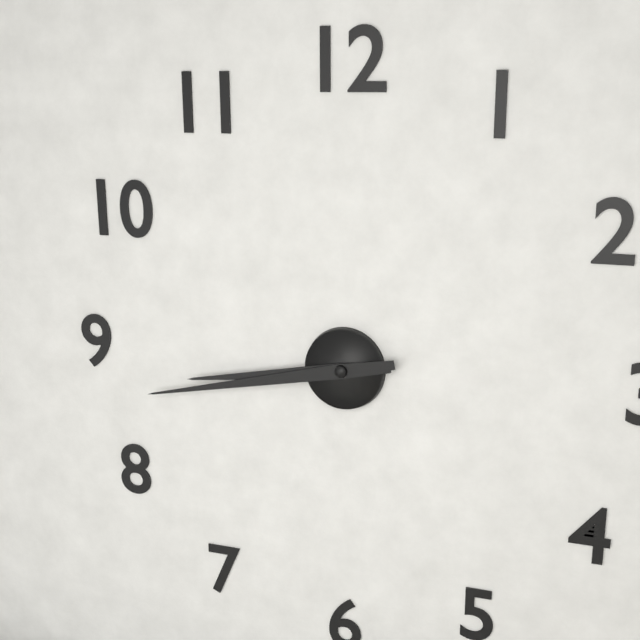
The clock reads h=8 m=43
